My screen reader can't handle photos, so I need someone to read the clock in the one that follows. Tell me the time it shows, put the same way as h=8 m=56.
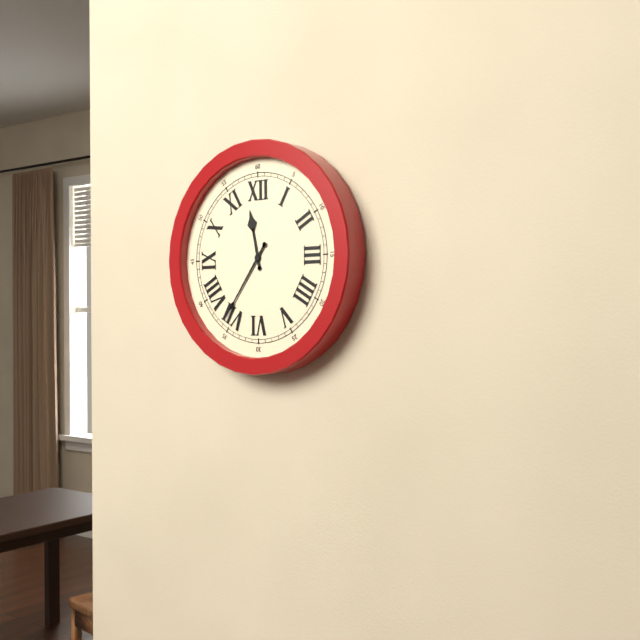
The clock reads h=11 m=36
